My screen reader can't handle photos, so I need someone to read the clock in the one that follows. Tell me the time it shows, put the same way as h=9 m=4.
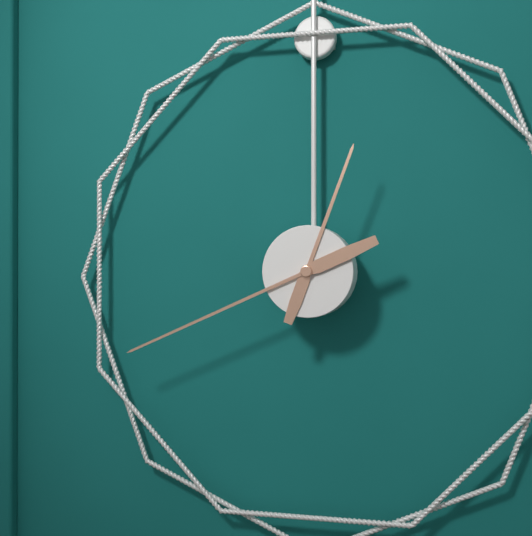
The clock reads h=12 m=41
